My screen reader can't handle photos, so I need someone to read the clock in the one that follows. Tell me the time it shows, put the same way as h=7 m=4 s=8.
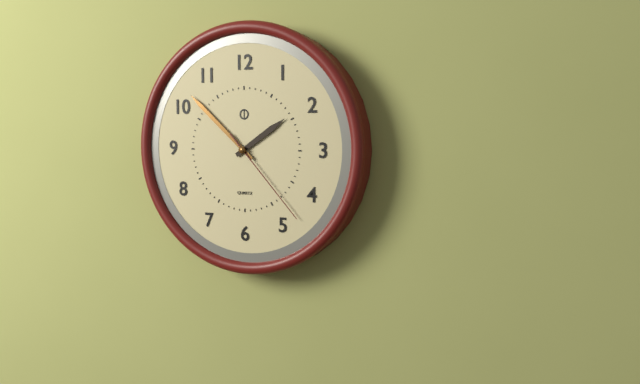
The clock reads h=1 m=52 s=23
